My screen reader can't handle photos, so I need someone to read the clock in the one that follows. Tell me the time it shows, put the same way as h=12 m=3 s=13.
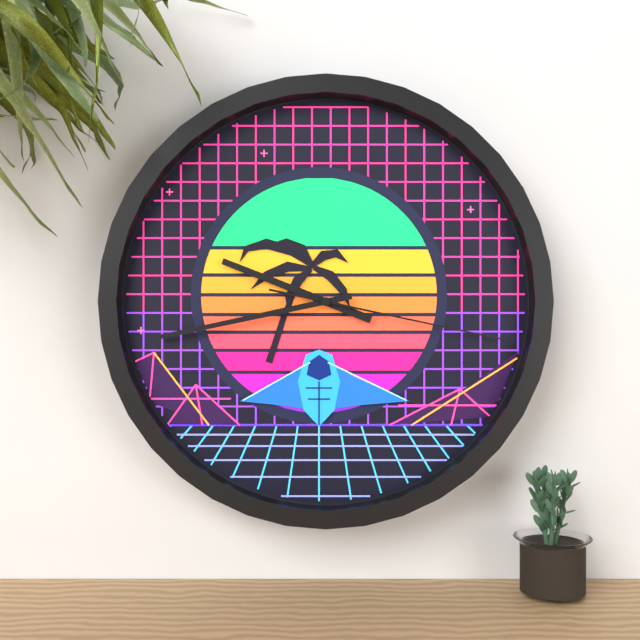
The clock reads h=9 m=43 s=17
